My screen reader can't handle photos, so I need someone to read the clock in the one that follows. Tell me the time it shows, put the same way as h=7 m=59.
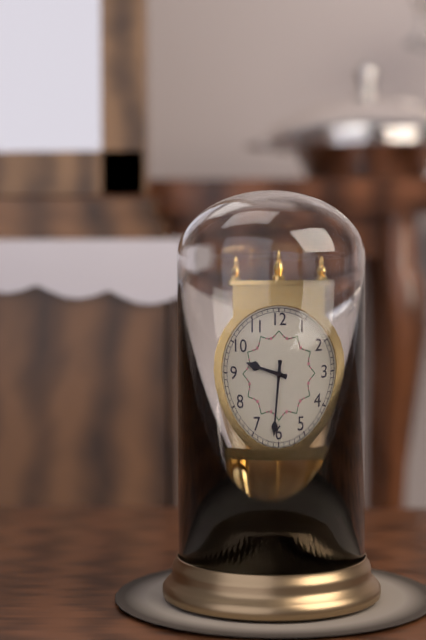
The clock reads h=9 m=31
